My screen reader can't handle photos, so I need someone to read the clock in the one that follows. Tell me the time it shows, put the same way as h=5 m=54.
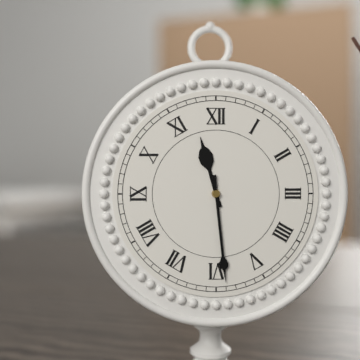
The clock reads h=11 m=29
